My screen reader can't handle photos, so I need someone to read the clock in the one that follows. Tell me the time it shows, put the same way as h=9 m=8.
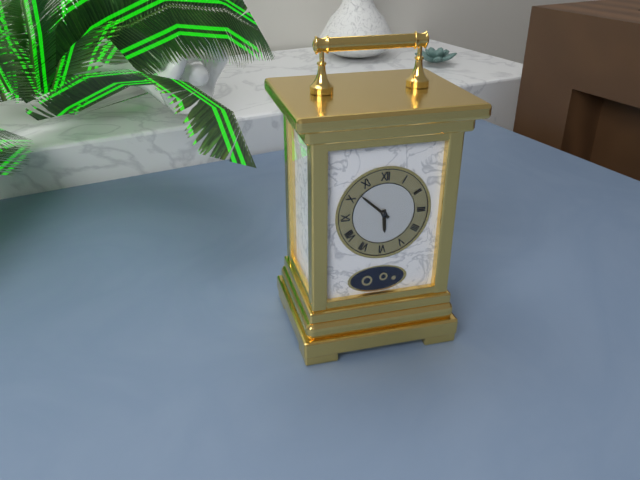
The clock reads h=5 m=52
